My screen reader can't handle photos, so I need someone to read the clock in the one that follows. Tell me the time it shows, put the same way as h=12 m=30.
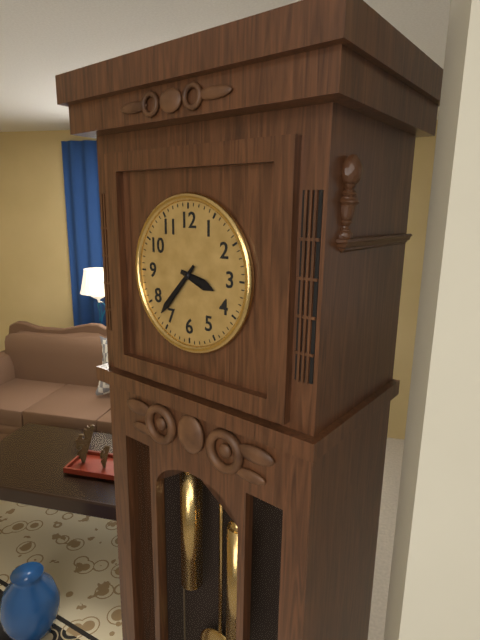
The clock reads h=3 m=37
